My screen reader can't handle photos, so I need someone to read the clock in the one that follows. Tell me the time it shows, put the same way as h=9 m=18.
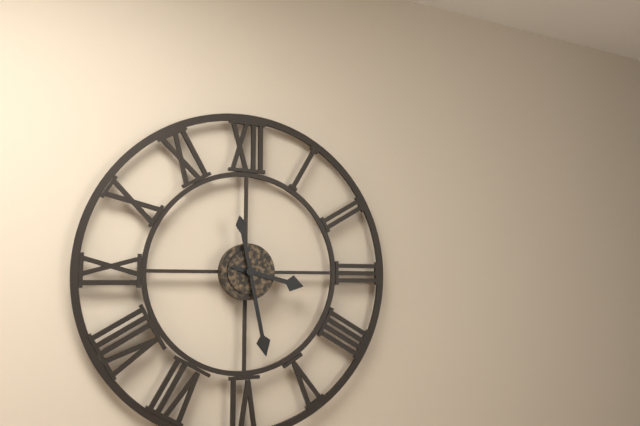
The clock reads h=3 m=28
